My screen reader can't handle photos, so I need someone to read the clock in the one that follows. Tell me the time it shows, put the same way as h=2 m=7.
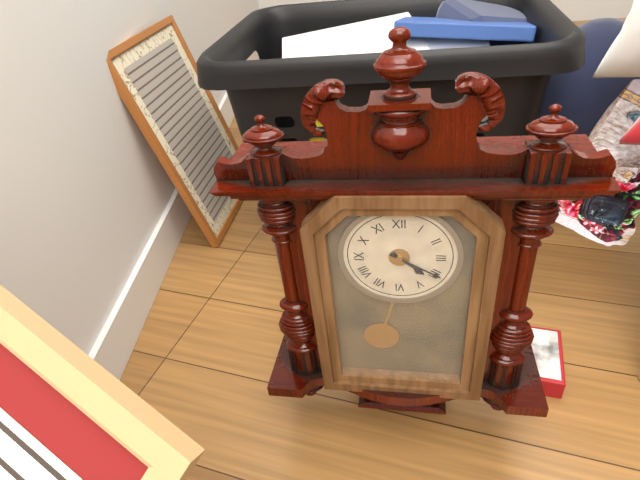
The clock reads h=4 m=20
